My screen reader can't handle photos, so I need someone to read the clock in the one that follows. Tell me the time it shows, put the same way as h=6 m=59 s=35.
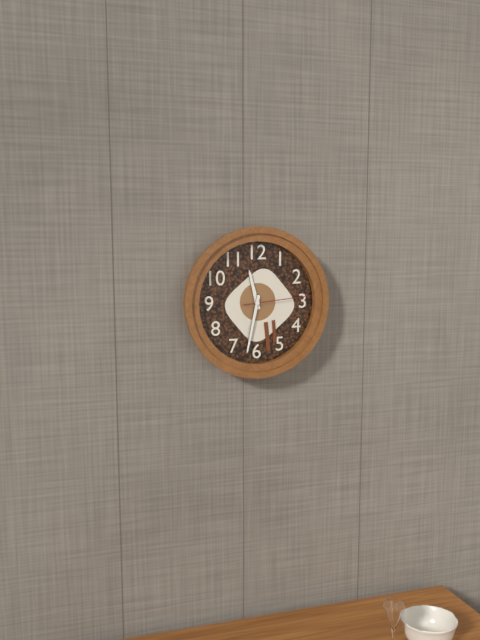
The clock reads h=11 m=32 s=14
